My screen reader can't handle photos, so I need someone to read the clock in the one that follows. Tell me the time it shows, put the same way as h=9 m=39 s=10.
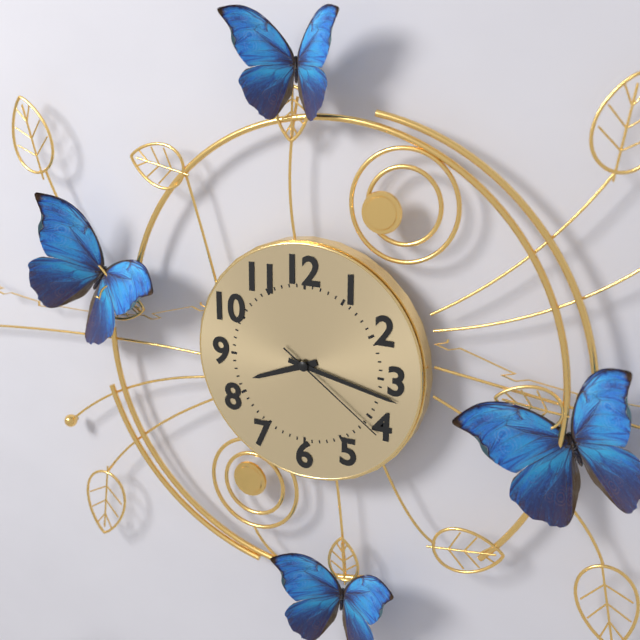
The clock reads h=8 m=17 s=21
